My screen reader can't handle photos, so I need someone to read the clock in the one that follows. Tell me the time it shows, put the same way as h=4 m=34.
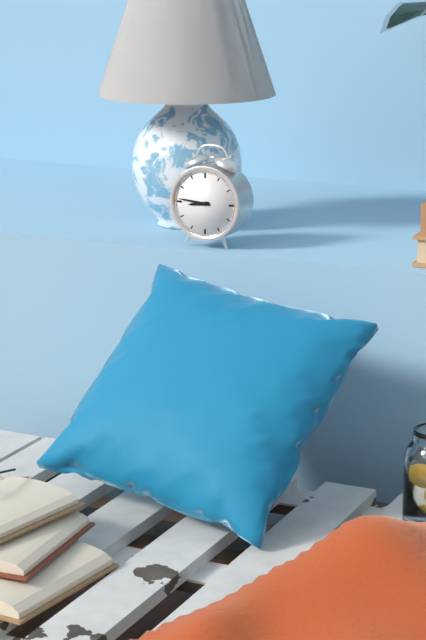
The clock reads h=8 m=46
